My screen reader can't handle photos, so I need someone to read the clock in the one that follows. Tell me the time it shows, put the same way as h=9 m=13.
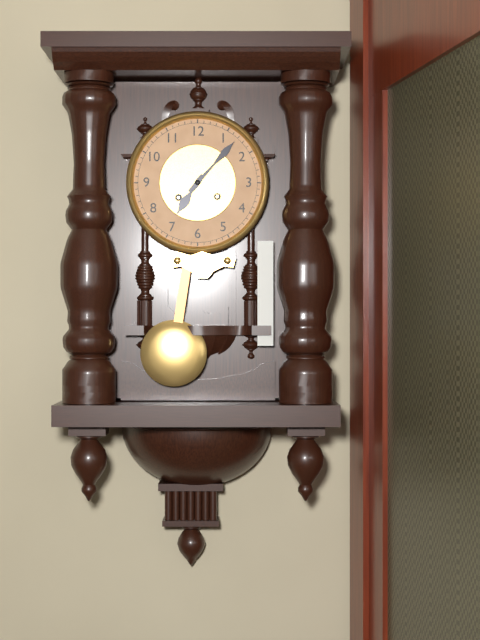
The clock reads h=7 m=7
